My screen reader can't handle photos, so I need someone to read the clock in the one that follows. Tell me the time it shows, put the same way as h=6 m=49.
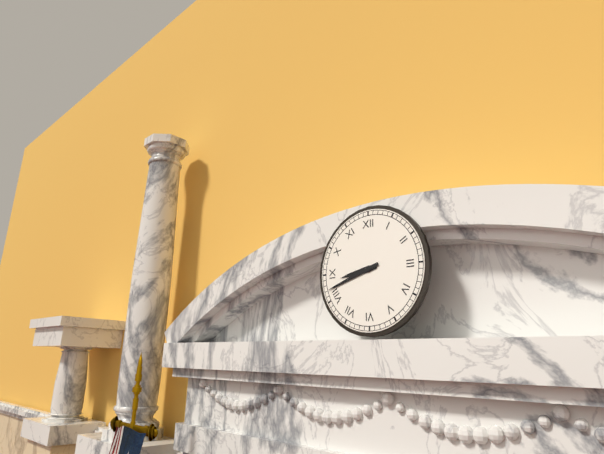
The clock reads h=8 m=42
